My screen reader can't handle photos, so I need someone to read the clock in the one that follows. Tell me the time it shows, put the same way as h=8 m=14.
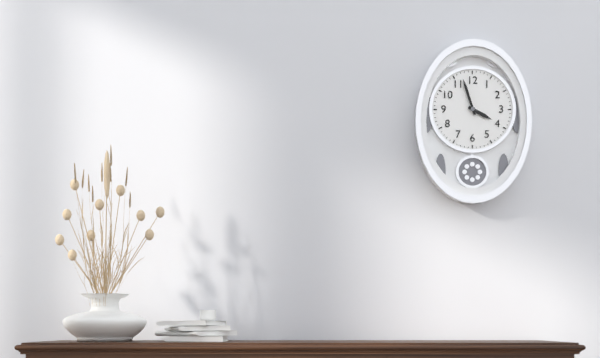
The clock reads h=3 m=57
